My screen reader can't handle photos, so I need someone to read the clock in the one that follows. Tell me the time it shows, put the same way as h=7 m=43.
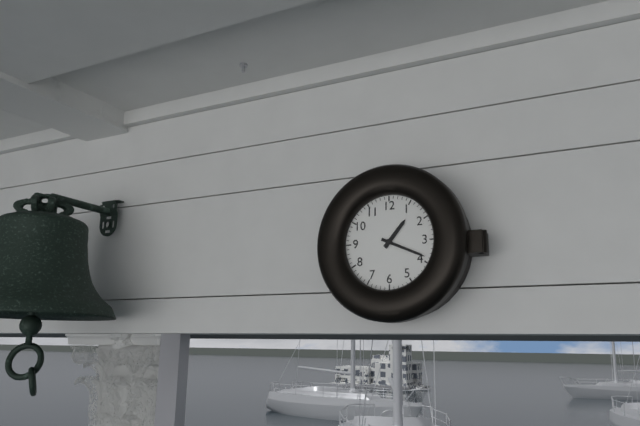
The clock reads h=1 m=19
